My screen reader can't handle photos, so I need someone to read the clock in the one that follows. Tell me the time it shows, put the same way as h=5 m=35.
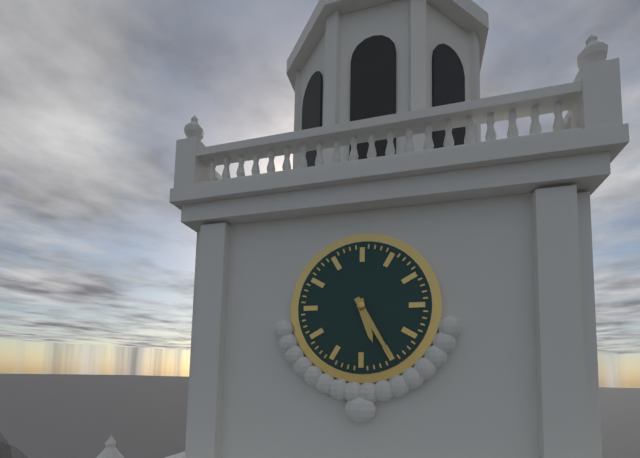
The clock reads h=5 m=25
